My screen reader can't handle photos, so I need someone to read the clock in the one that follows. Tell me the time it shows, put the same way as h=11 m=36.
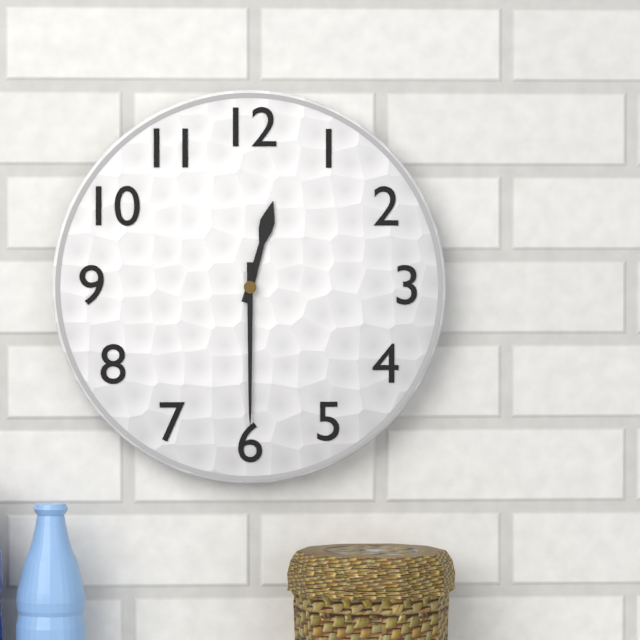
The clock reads h=12 m=30
